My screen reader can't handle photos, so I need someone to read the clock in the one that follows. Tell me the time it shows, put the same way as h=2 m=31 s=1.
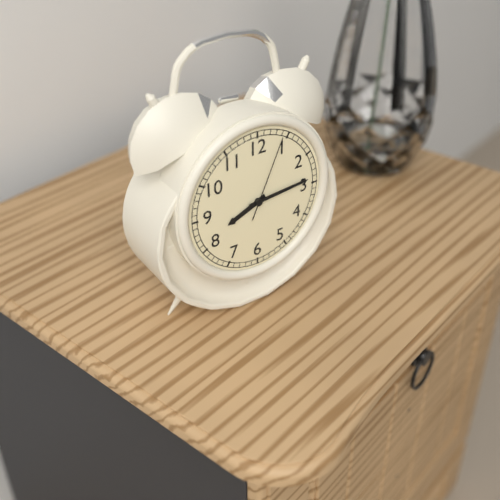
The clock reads h=8 m=14 s=4
